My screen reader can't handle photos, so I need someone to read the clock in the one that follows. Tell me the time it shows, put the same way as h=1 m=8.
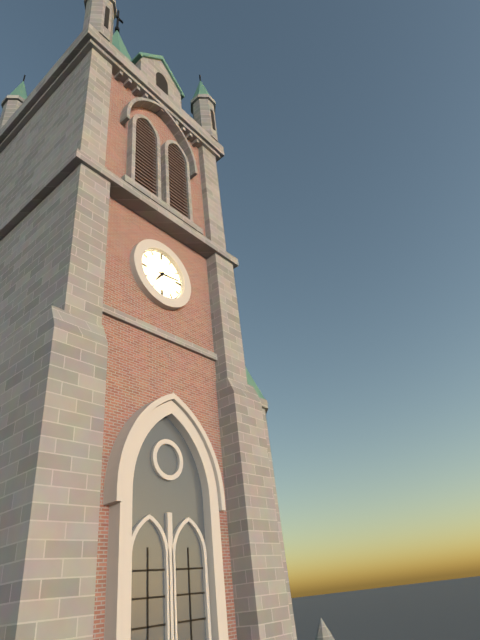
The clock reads h=7 m=14
